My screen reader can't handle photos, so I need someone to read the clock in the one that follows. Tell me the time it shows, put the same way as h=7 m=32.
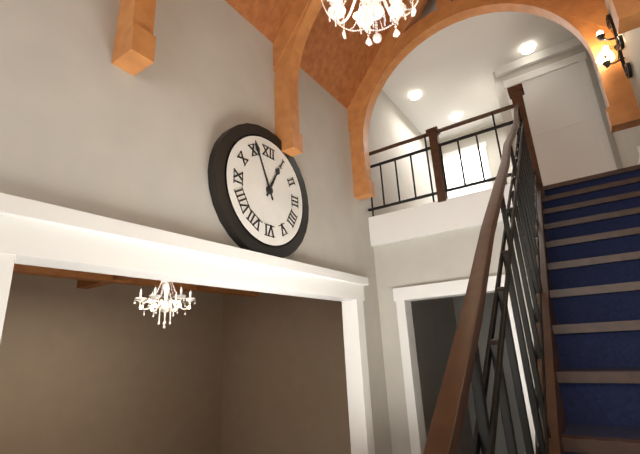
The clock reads h=12 m=56
